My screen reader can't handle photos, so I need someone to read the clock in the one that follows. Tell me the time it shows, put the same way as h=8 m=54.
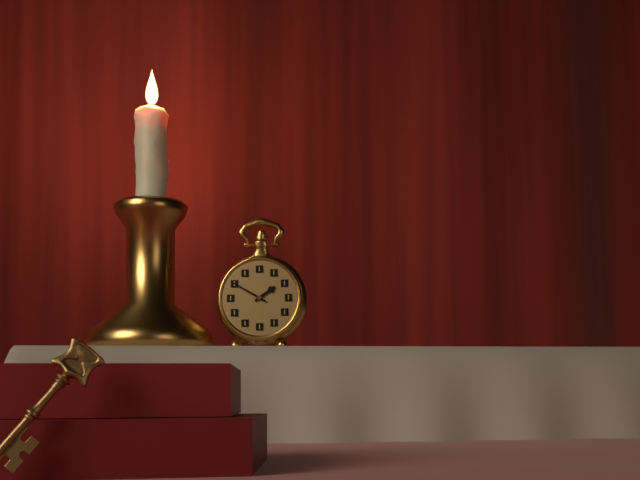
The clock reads h=1 m=50
